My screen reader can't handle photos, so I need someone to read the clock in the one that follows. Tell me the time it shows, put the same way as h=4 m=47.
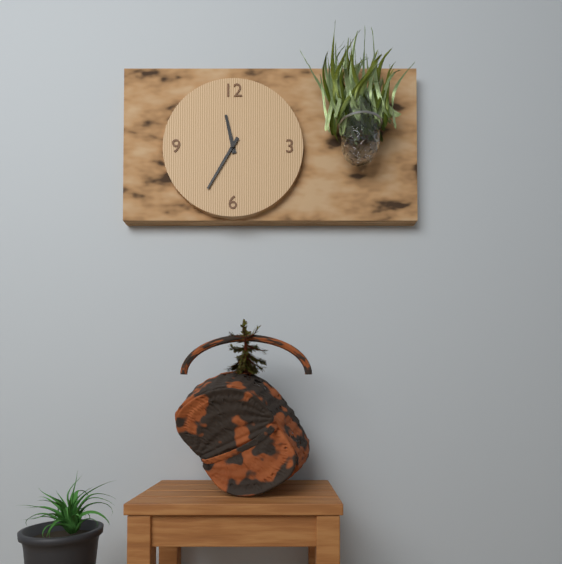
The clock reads h=11 m=35
